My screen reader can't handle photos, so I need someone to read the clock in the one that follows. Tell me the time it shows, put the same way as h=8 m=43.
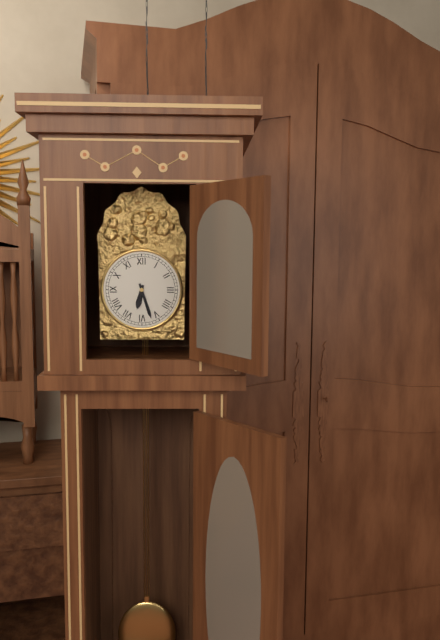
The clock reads h=6 m=27
